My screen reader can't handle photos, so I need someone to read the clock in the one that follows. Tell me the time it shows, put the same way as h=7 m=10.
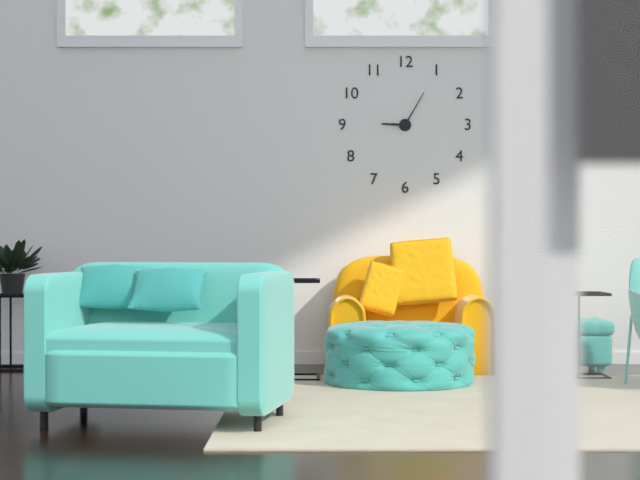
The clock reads h=9 m=5
